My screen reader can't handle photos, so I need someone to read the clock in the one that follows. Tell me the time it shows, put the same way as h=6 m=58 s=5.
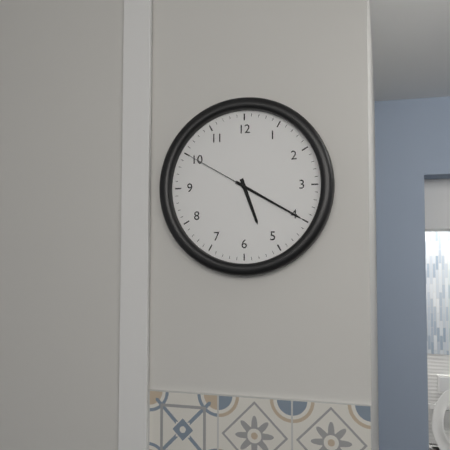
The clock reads h=5 m=20 s=50
